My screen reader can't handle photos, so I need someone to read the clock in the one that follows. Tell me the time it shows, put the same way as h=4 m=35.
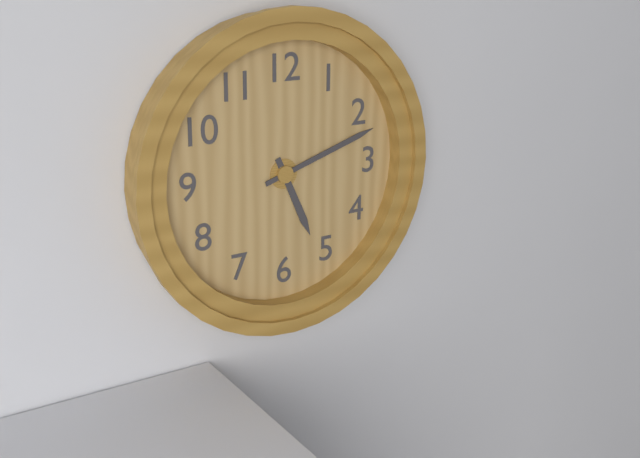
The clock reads h=5 m=12
